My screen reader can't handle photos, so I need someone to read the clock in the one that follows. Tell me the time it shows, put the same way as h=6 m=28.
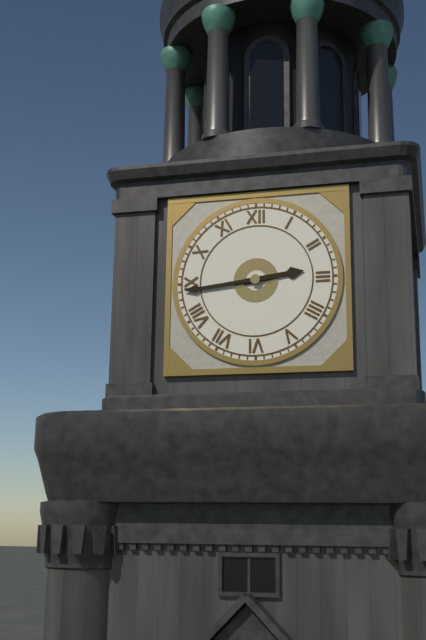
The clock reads h=2 m=44
